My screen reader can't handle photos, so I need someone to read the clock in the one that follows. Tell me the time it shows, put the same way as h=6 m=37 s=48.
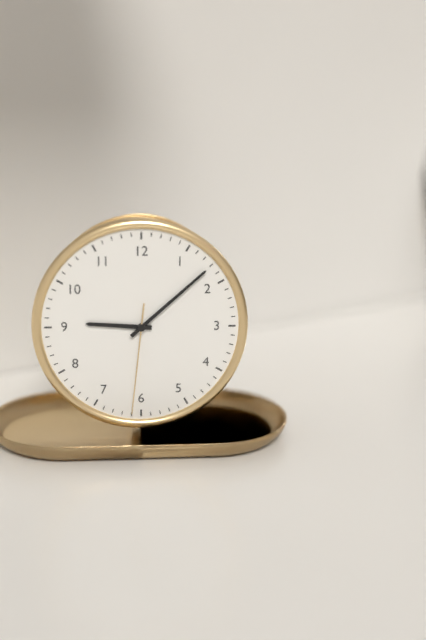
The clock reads h=9 m=8 s=31
